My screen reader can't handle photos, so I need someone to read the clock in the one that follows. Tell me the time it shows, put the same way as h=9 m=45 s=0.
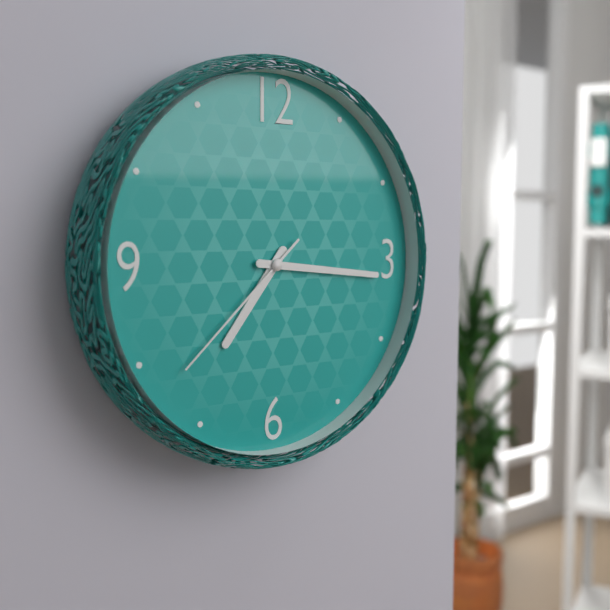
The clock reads h=7 m=16 s=38
